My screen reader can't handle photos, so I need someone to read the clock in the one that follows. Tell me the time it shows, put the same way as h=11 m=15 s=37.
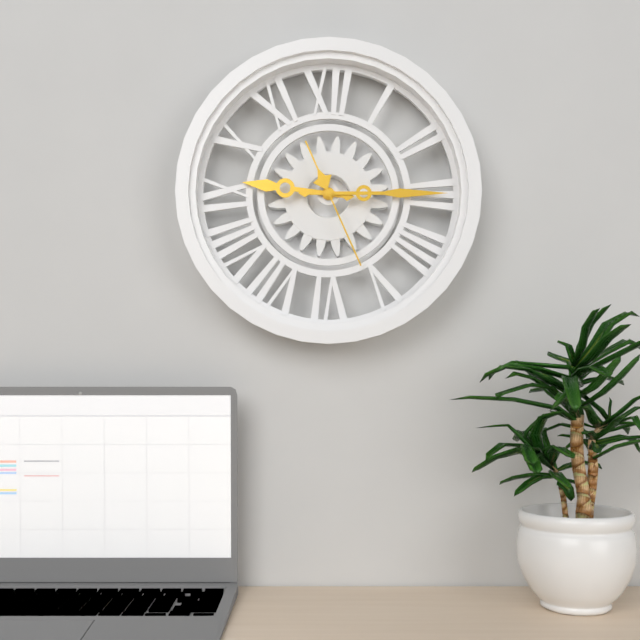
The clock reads h=9 m=15 s=26
